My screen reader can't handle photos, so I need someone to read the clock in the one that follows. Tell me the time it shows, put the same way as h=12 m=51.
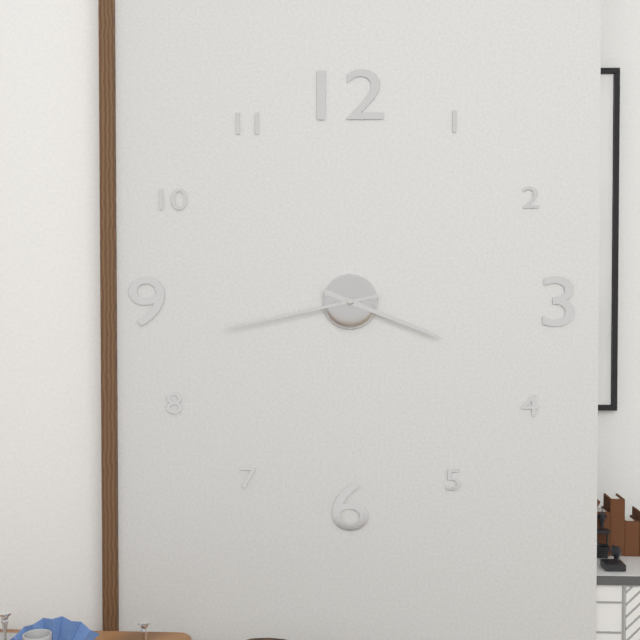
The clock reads h=3 m=43
